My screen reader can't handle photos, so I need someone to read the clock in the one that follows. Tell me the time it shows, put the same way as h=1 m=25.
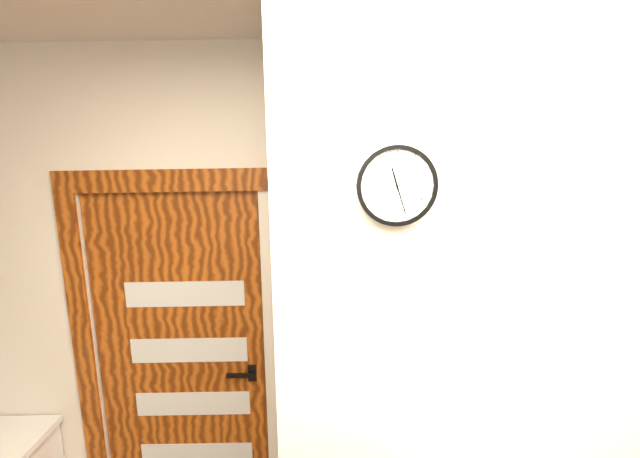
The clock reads h=11 m=27
